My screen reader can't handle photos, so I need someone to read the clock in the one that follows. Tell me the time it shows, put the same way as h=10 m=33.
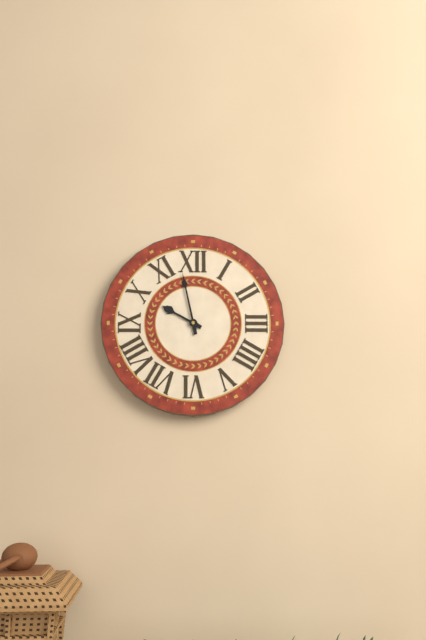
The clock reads h=9 m=58
